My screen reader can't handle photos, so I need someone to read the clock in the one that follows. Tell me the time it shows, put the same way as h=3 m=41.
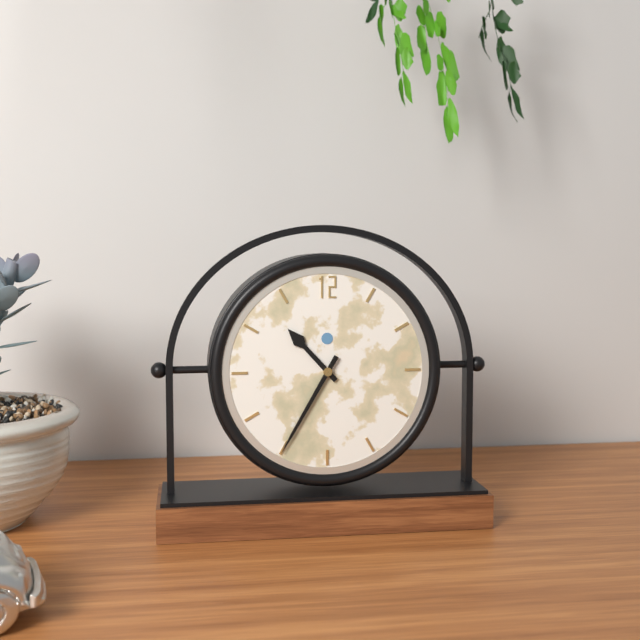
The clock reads h=10 m=35
